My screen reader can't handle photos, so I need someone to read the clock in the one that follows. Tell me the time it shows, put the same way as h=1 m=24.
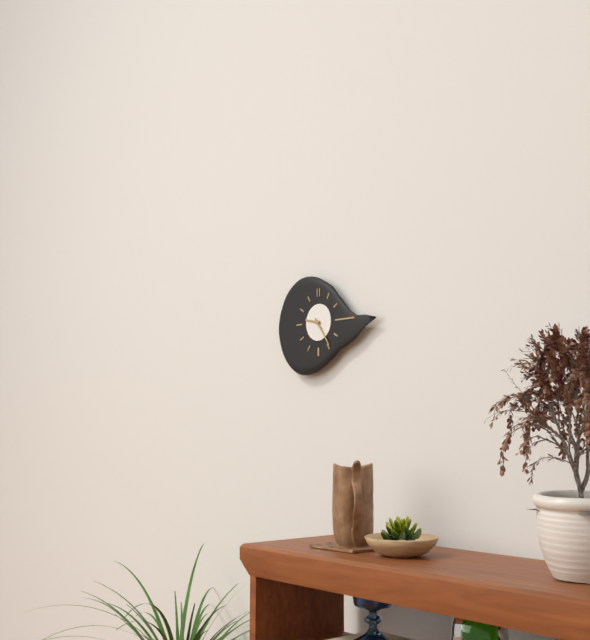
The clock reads h=9 m=24
